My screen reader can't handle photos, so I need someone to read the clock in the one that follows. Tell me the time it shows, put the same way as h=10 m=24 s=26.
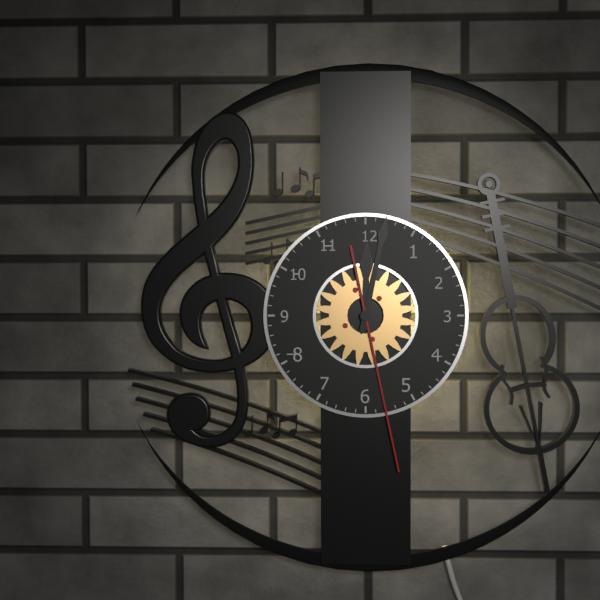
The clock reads h=12 m=2 s=28
